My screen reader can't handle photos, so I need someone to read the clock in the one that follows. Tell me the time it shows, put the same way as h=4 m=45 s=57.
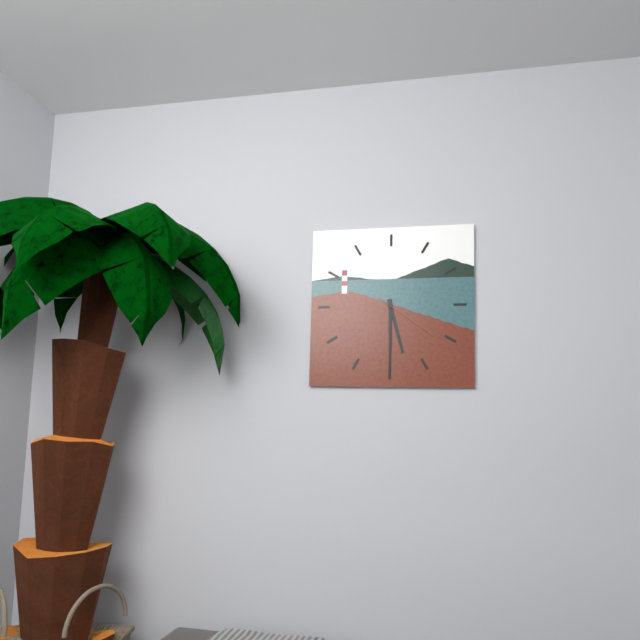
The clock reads h=5 m=30 s=21
